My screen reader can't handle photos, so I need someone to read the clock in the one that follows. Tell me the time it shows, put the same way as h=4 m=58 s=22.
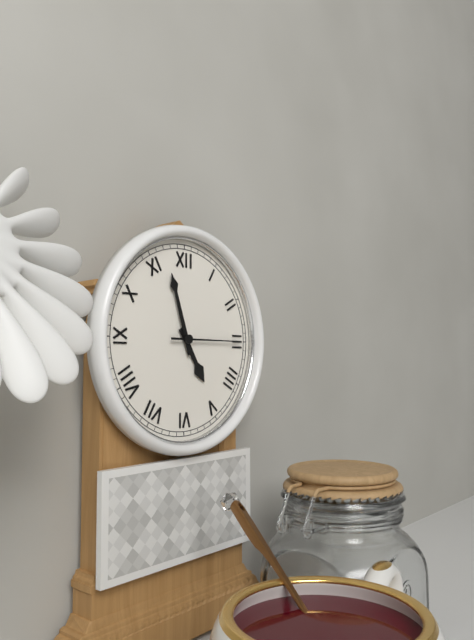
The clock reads h=4 m=57 s=15
